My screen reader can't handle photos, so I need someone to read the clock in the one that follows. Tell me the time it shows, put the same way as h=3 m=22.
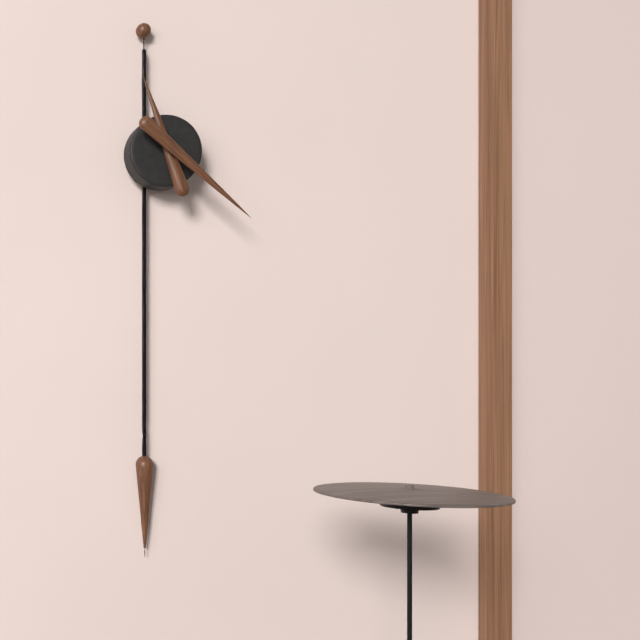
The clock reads h=11 m=22
